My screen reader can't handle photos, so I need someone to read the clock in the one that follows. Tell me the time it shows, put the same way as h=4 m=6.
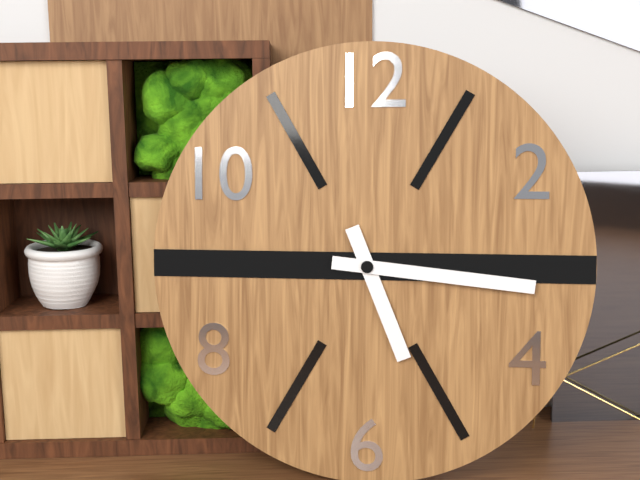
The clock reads h=5 m=16
